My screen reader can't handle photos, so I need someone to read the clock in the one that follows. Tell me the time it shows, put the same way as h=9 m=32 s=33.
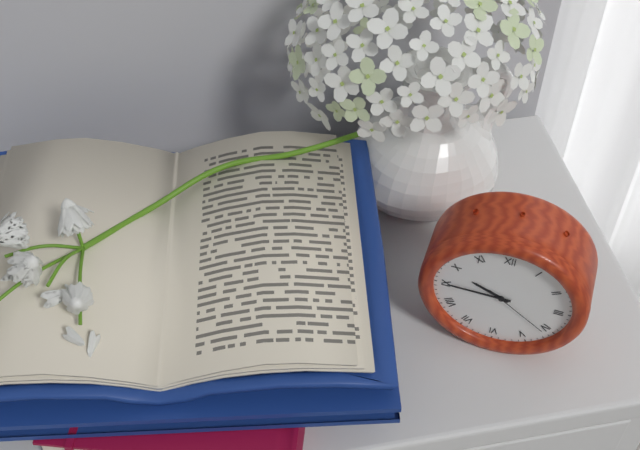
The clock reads h=9 m=45 s=21
